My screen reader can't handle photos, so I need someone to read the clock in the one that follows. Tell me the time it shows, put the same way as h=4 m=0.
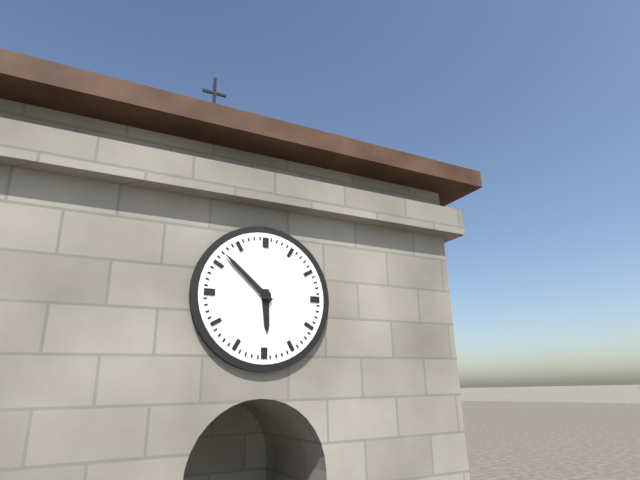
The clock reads h=5 m=52
